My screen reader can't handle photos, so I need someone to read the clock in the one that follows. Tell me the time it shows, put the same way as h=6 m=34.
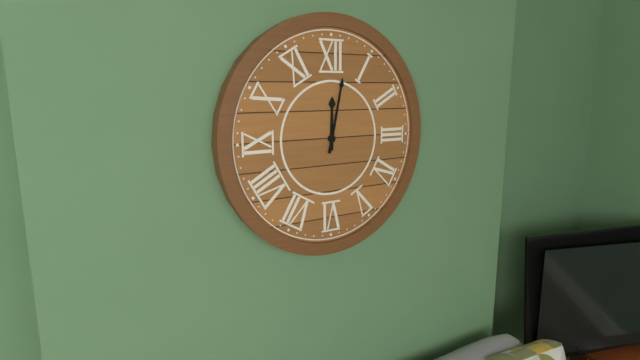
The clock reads h=12 m=2
